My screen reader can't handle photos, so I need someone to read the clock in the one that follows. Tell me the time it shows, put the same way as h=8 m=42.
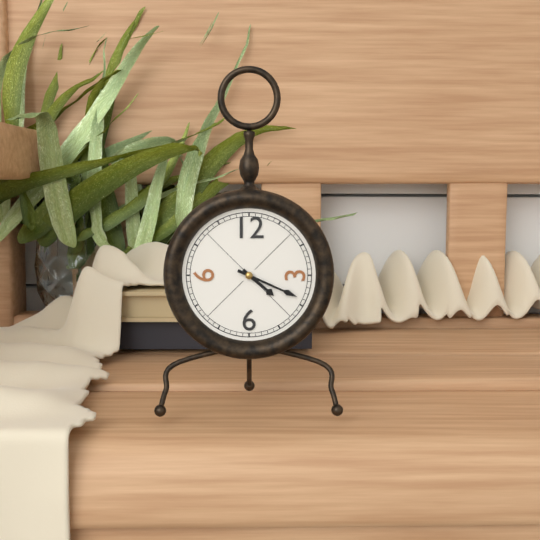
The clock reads h=4 m=19
